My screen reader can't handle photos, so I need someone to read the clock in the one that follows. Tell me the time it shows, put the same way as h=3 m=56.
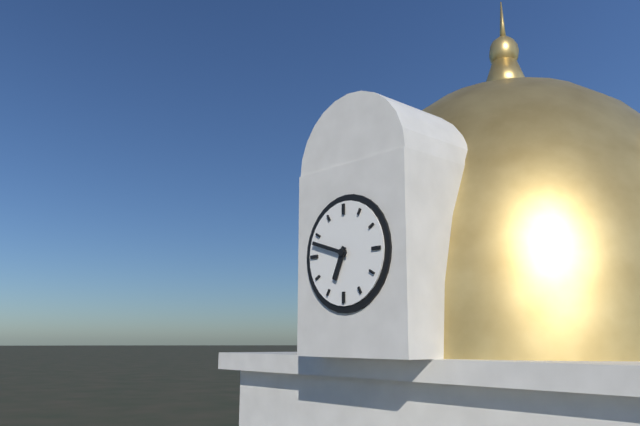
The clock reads h=6 m=48
